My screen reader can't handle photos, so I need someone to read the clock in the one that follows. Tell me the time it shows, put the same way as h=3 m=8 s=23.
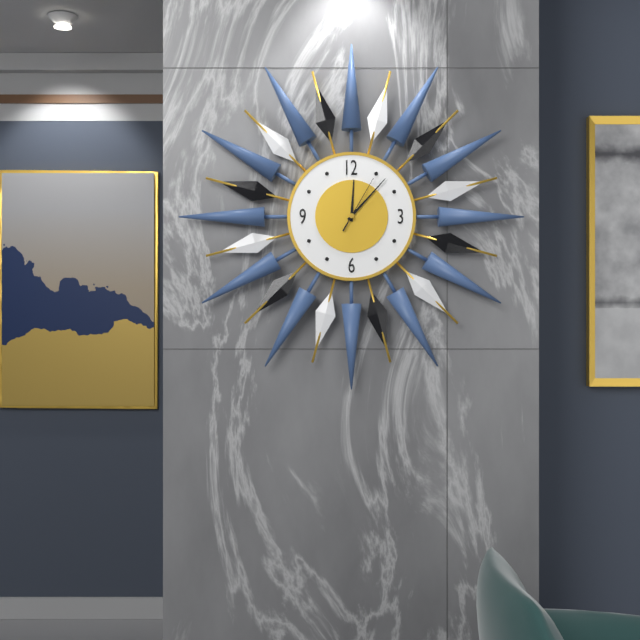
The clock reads h=12 m=7 s=5
